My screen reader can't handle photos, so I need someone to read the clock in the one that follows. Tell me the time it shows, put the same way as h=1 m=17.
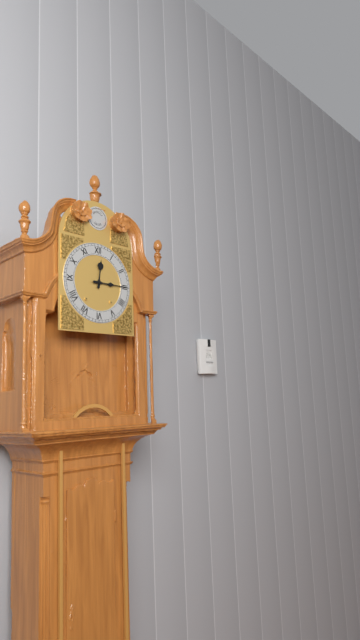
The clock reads h=12 m=15
